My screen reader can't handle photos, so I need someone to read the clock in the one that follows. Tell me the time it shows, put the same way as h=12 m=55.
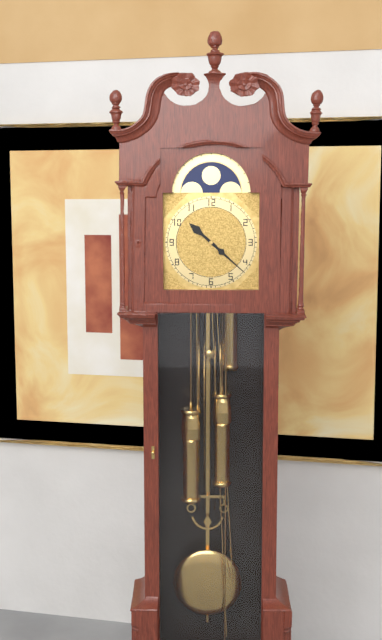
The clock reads h=10 m=22
